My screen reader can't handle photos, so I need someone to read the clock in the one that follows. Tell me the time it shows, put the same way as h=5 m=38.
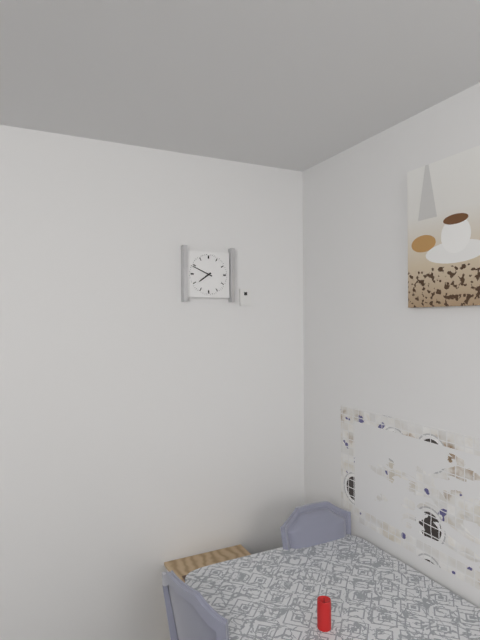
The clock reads h=7 m=49
